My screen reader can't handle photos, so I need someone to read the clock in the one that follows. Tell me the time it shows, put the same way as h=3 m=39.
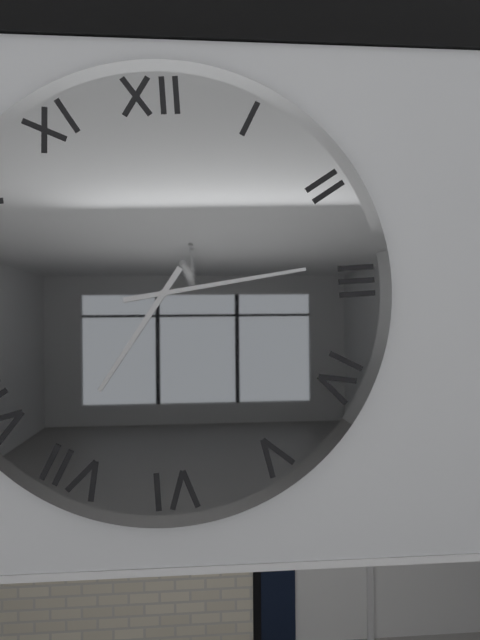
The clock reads h=7 m=14
